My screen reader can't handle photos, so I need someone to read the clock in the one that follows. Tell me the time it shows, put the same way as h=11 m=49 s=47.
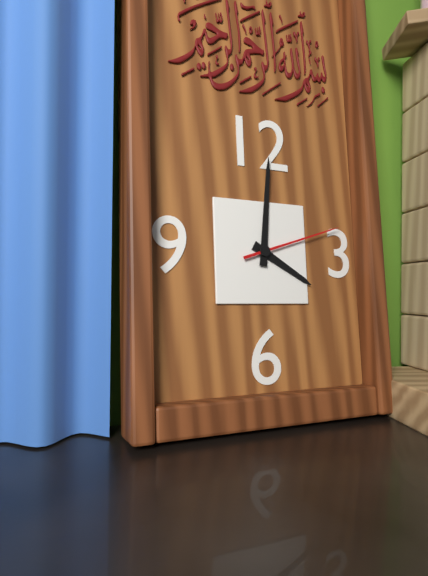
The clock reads h=4 m=1 s=12
